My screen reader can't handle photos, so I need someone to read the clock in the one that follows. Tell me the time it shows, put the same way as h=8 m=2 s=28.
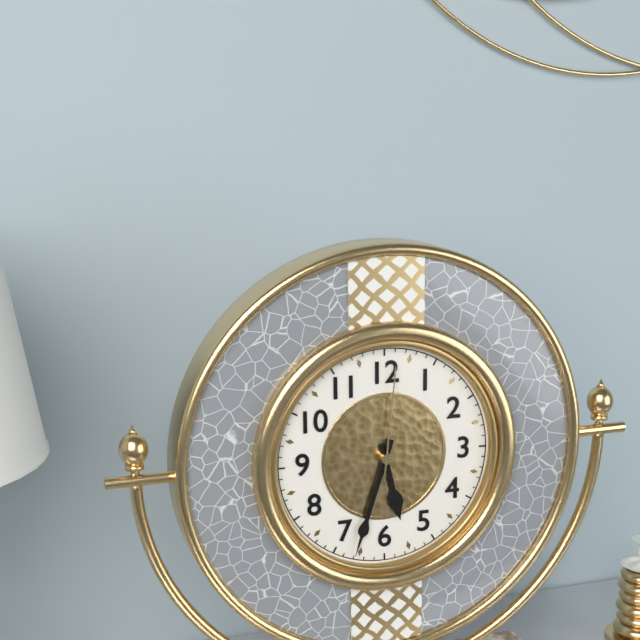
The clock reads h=5 m=33 s=1
